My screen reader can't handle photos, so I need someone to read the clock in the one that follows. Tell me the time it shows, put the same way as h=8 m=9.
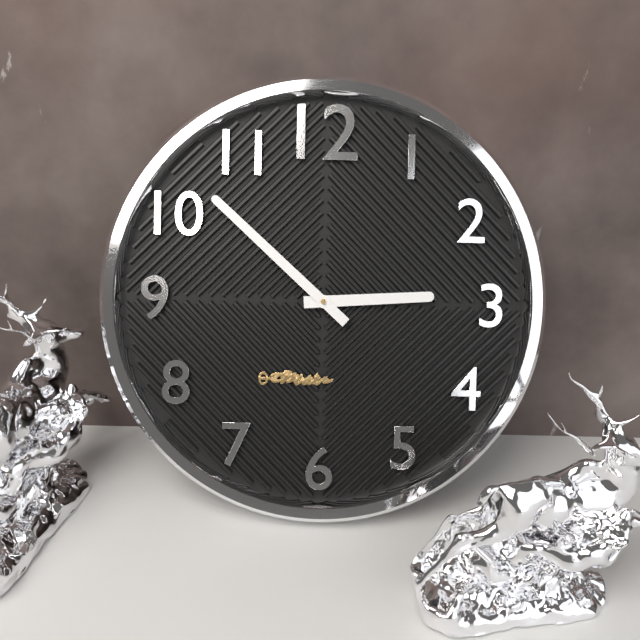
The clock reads h=2 m=52
